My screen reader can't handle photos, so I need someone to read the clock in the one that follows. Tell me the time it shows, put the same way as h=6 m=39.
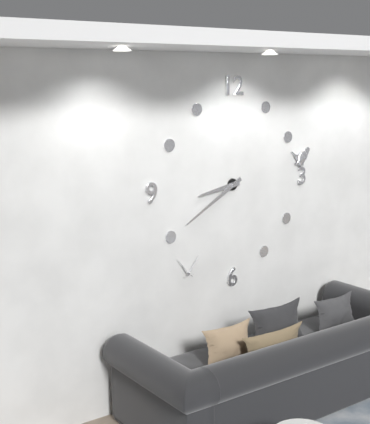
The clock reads h=8 m=40
